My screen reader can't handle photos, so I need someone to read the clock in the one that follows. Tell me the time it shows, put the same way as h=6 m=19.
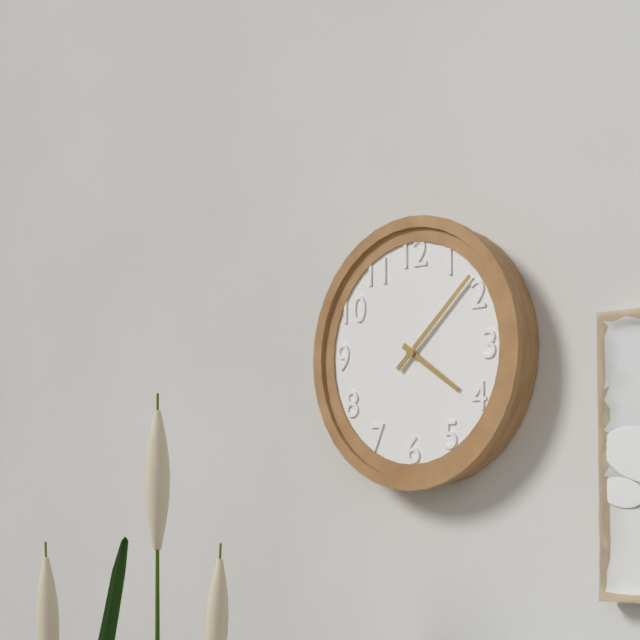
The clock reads h=4 m=8
